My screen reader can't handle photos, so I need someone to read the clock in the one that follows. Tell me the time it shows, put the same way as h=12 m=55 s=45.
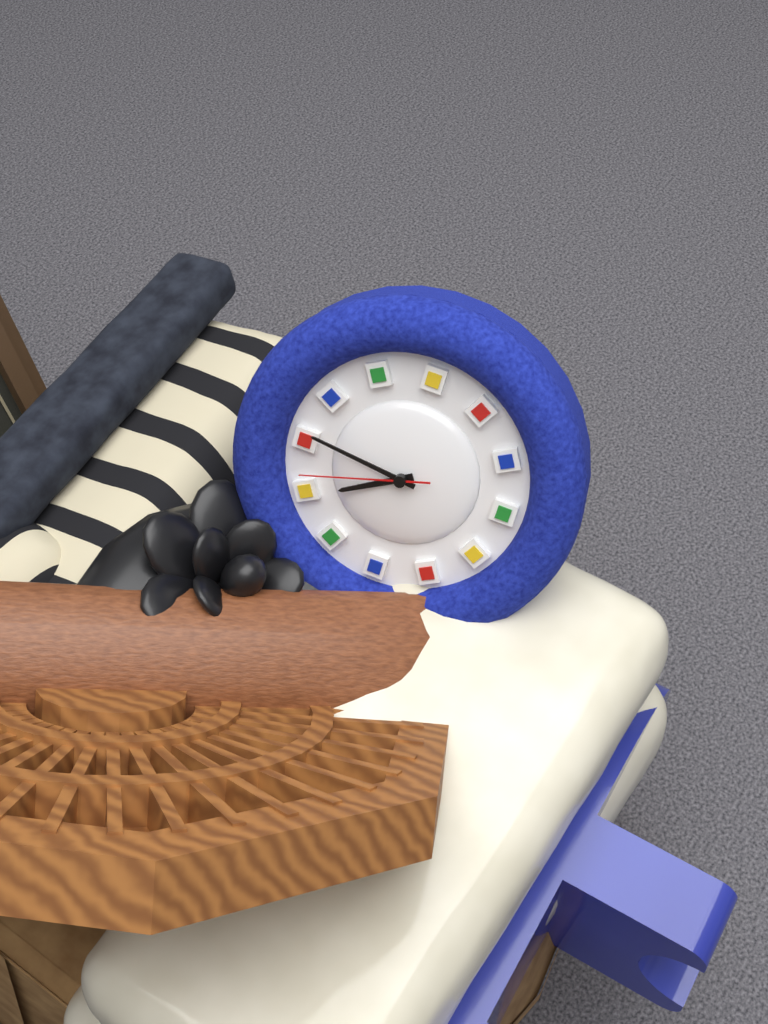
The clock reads h=9 m=56 s=52
